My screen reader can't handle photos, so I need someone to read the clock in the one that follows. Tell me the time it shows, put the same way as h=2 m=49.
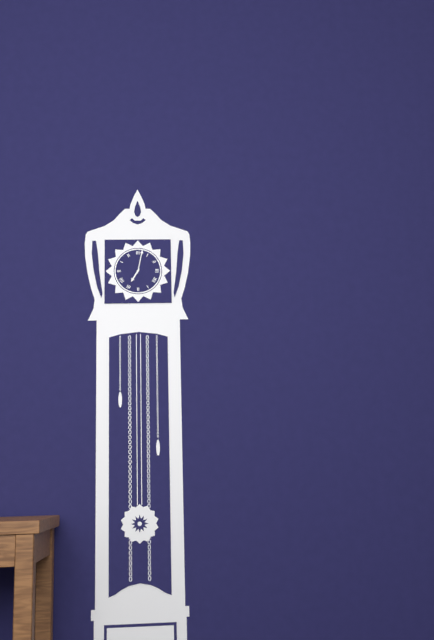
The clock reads h=7 m=2
